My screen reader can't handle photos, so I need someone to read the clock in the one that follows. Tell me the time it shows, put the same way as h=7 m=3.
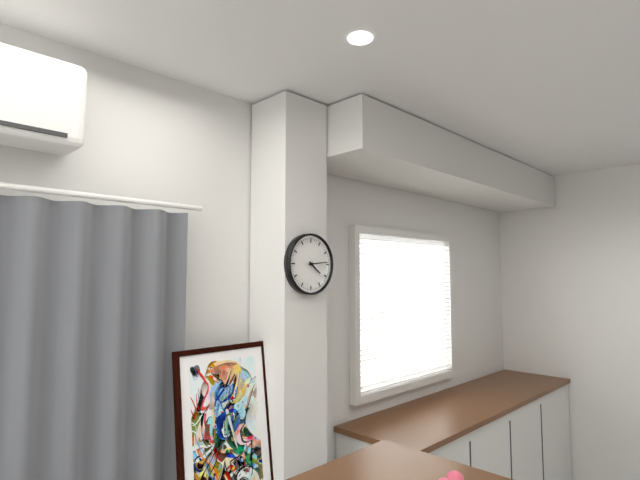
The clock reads h=4 m=14
